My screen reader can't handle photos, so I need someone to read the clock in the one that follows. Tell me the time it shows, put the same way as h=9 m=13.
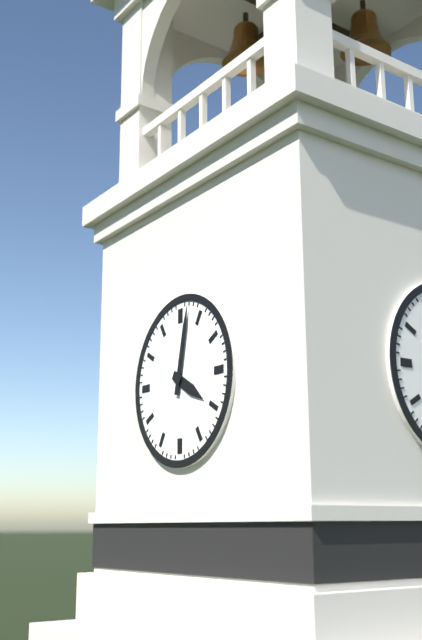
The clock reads h=4 m=2
